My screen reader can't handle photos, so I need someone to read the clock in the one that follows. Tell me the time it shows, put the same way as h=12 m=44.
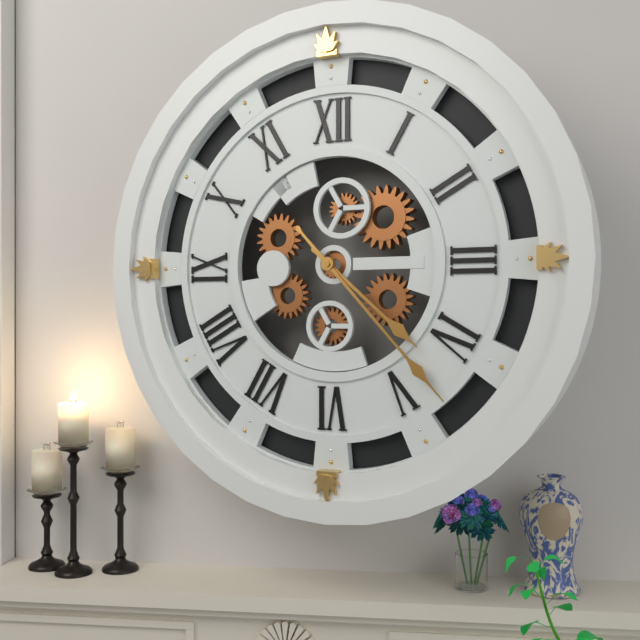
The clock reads h=4 m=23
